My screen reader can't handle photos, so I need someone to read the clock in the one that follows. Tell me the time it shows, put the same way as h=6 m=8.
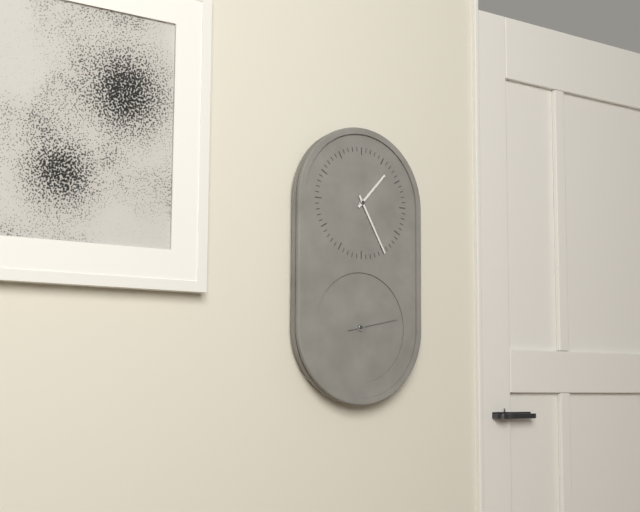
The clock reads h=1 m=25
